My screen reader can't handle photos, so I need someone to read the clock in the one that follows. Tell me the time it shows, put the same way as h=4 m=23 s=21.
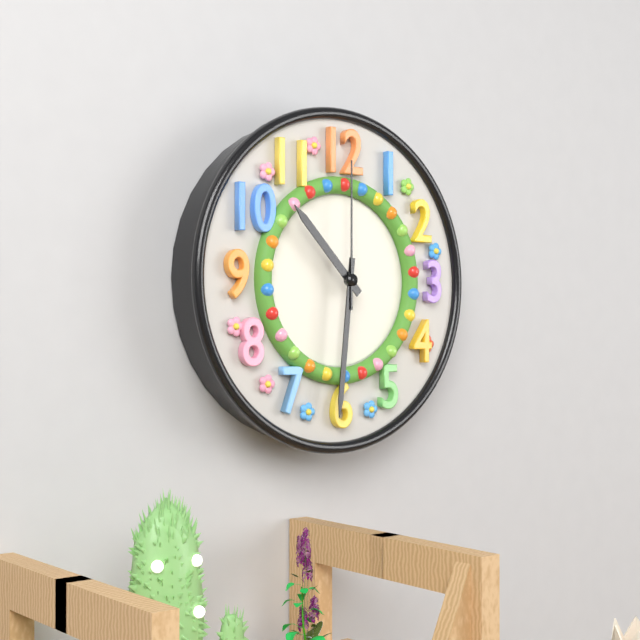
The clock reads h=10 m=31 s=0
